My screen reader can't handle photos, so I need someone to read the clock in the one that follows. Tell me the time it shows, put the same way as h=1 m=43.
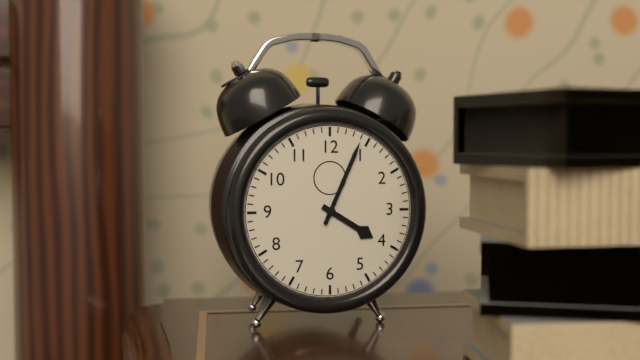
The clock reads h=4 m=4
